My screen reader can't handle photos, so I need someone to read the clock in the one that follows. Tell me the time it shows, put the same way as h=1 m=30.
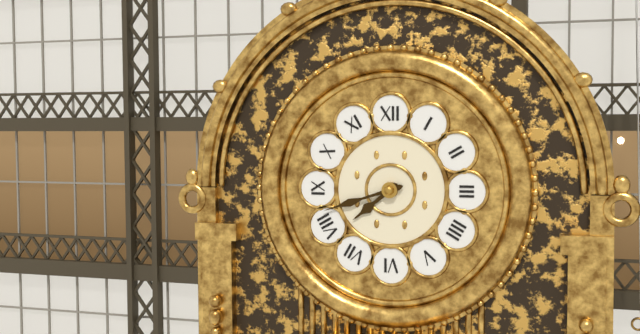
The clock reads h=7 m=42
